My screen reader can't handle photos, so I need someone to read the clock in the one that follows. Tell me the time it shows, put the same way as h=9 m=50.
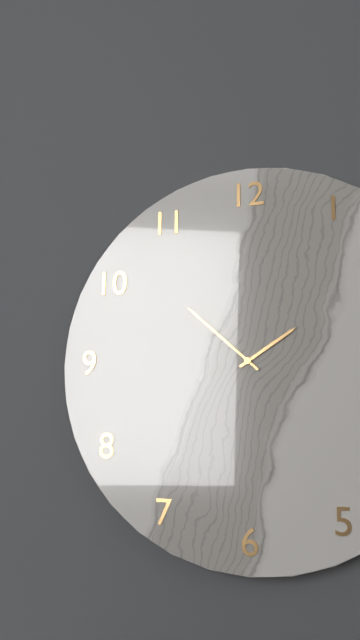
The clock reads h=1 m=52
